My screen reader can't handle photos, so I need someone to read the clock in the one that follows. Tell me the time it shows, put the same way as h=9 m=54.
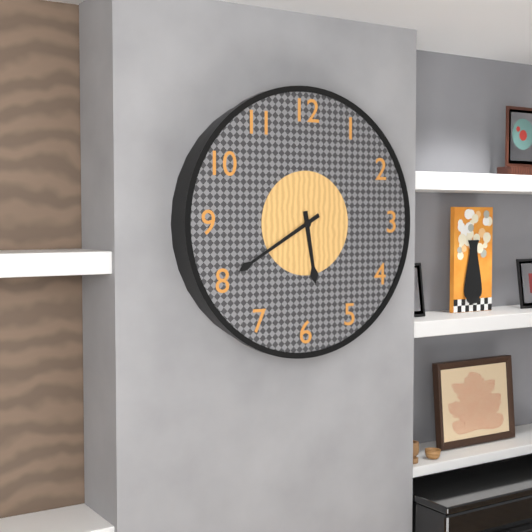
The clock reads h=5 m=40
